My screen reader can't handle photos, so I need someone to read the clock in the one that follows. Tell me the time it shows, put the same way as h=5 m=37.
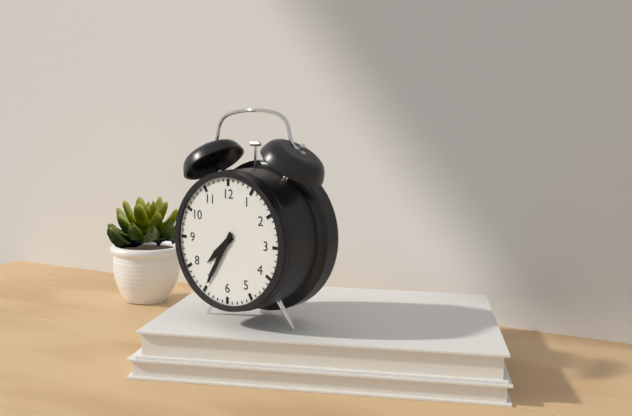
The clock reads h=7 m=35
